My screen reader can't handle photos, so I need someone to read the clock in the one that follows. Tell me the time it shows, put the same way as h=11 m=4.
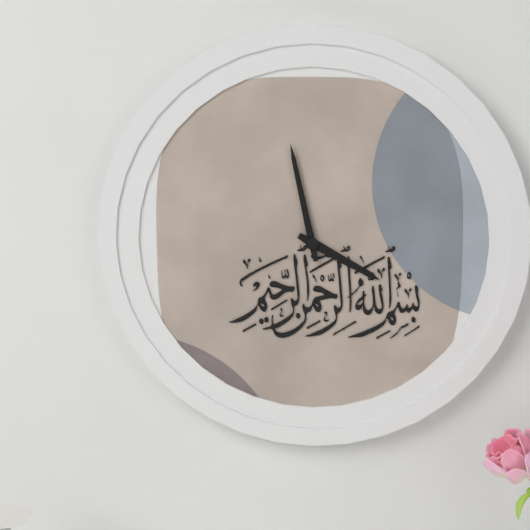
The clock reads h=3 m=58
